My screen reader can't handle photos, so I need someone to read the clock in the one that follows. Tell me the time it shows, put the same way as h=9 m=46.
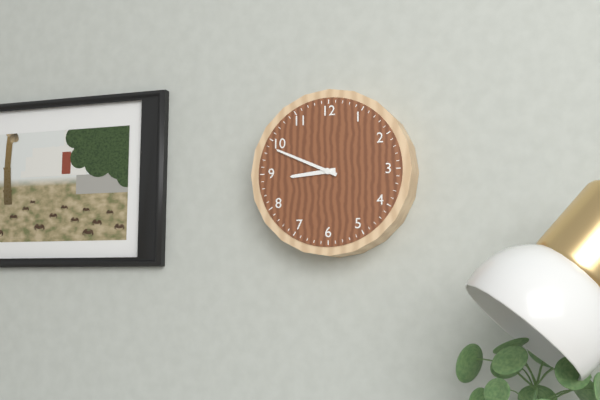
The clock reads h=8 m=49
